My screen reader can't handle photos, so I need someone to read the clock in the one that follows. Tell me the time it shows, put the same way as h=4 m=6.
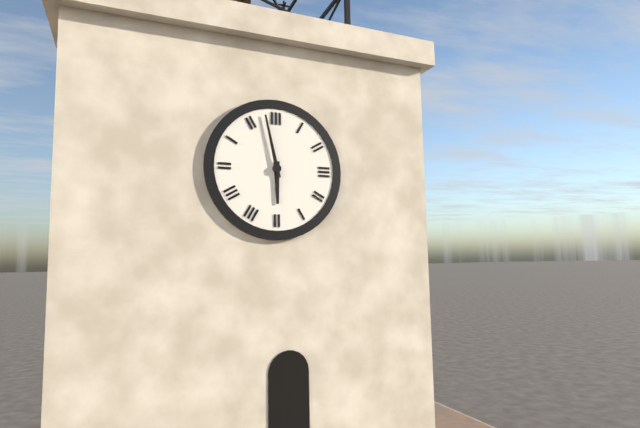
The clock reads h=5 m=58
